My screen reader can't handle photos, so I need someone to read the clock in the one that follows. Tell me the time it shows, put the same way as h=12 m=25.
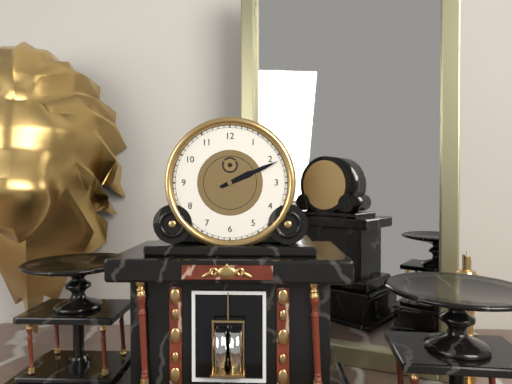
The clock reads h=2 m=11
